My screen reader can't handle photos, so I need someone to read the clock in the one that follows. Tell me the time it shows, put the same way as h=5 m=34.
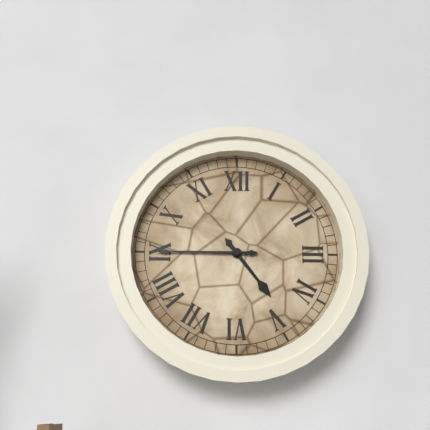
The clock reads h=4 m=45
